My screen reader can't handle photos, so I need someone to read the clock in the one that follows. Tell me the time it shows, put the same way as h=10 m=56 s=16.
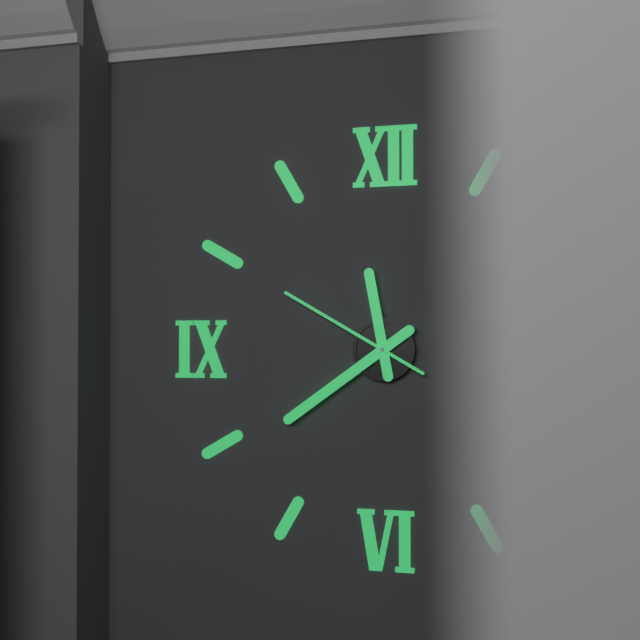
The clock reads h=11 m=39 s=50
